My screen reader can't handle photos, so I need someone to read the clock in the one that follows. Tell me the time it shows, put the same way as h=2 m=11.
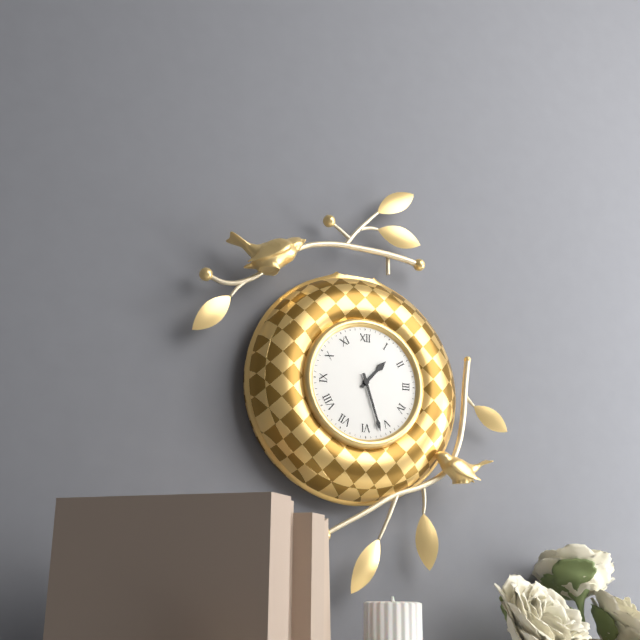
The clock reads h=1 m=27
